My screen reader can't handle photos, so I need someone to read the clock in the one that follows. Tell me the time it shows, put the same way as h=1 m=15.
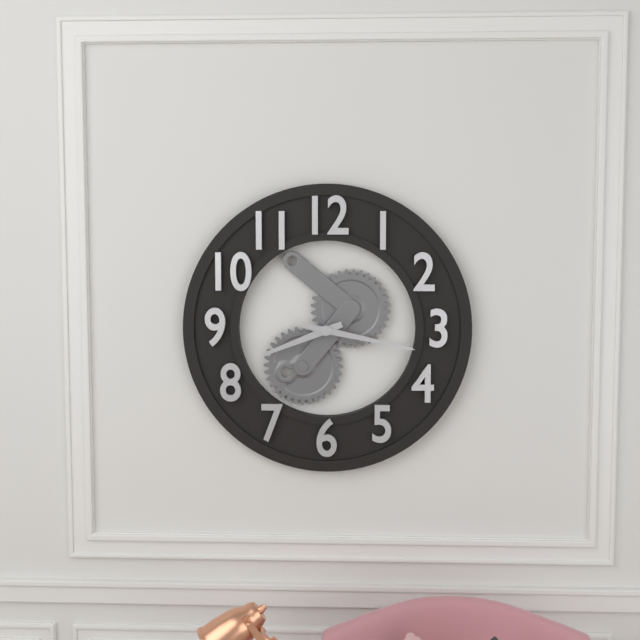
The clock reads h=8 m=17
